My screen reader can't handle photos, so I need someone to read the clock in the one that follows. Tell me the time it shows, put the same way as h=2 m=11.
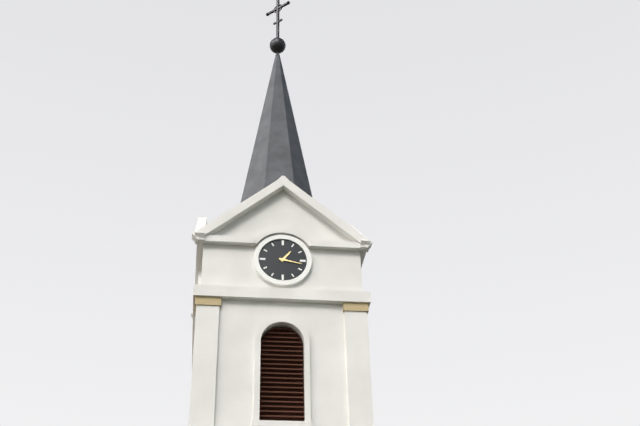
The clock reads h=1 m=17
